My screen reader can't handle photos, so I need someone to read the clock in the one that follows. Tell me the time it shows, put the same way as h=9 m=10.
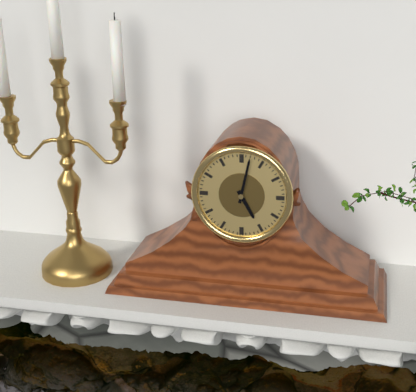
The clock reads h=5 m=2
